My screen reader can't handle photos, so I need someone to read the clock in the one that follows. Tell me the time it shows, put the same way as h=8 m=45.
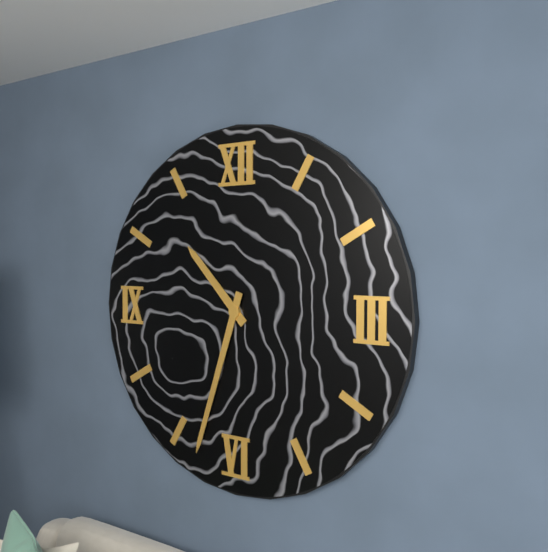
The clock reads h=10 m=33
